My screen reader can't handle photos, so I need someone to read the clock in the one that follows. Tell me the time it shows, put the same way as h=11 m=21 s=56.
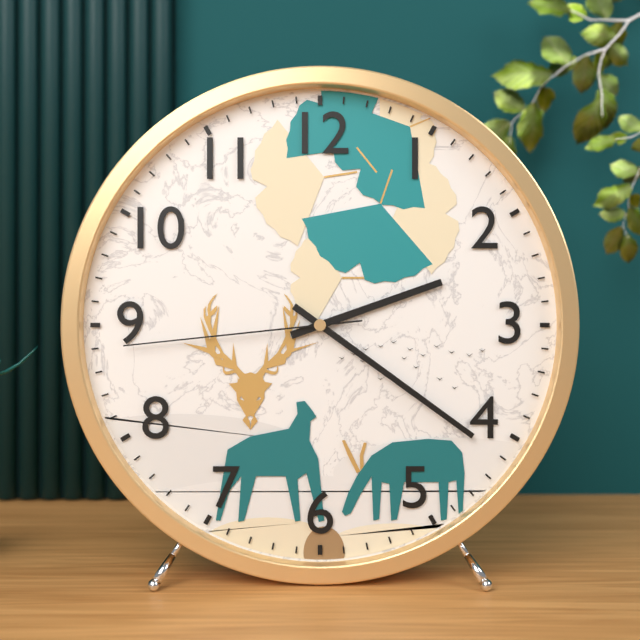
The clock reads h=2 m=21 s=44
